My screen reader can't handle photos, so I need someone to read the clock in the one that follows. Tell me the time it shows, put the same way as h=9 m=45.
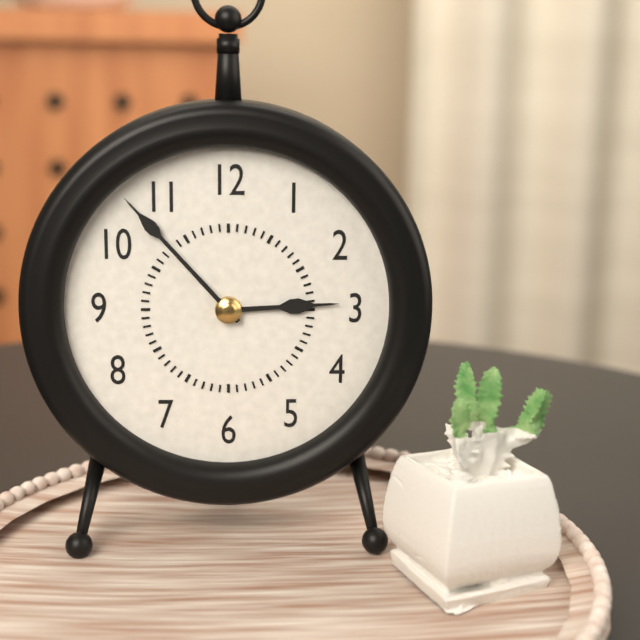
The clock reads h=2 m=53
